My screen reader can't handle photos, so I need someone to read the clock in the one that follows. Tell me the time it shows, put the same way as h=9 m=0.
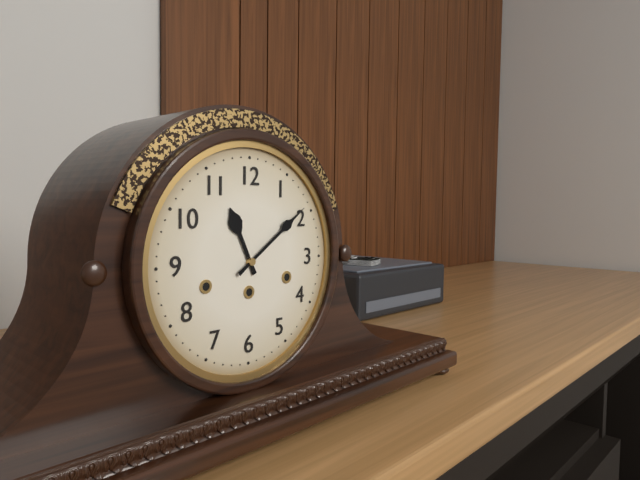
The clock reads h=11 m=9
